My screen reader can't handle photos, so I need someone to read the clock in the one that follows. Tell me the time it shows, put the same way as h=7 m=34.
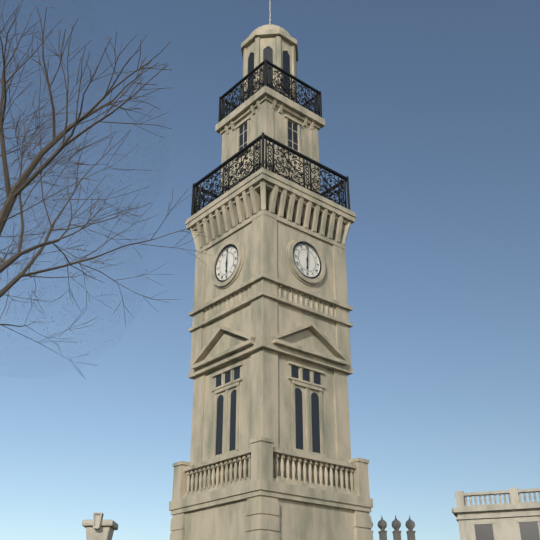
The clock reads h=6 m=1
